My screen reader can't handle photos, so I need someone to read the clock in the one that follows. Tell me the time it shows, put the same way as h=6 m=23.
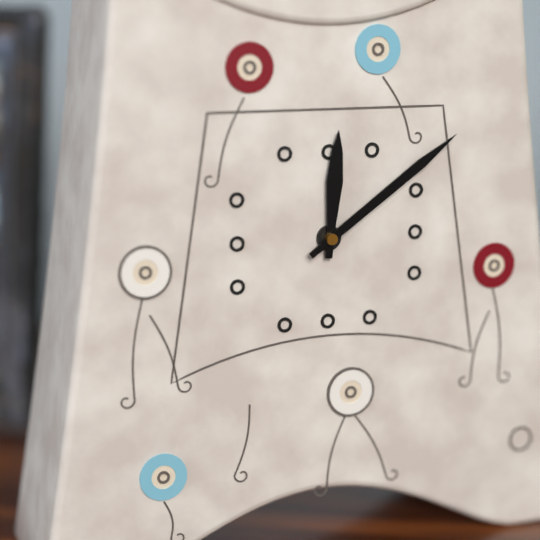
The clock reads h=12 m=9
